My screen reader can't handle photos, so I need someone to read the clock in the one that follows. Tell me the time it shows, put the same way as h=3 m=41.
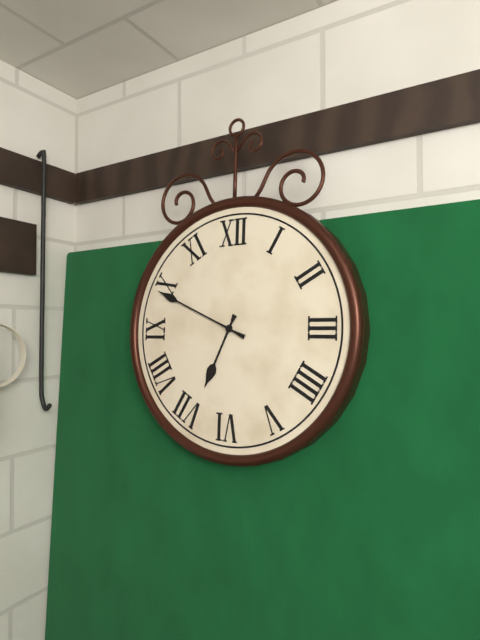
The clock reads h=6 m=49
